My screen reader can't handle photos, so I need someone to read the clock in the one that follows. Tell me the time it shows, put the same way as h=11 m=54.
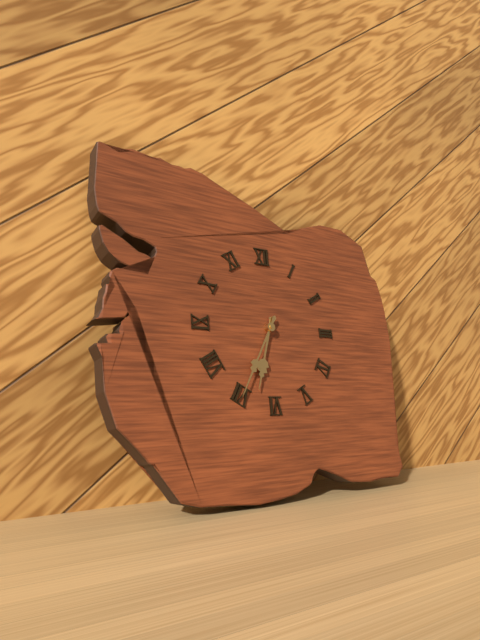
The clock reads h=6 m=35
